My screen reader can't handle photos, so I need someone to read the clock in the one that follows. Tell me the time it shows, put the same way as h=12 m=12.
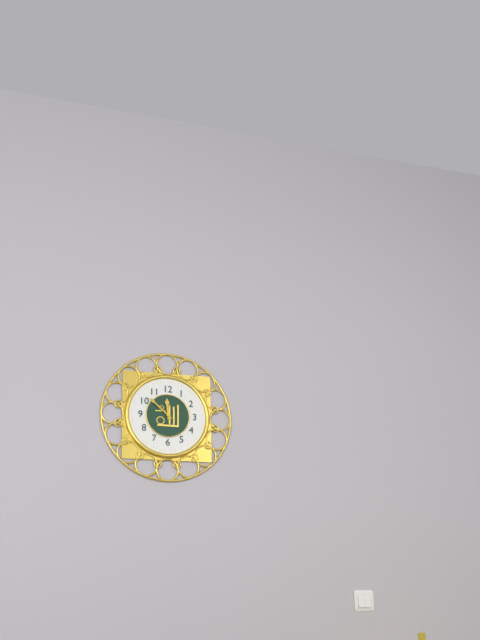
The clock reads h=11 m=52
